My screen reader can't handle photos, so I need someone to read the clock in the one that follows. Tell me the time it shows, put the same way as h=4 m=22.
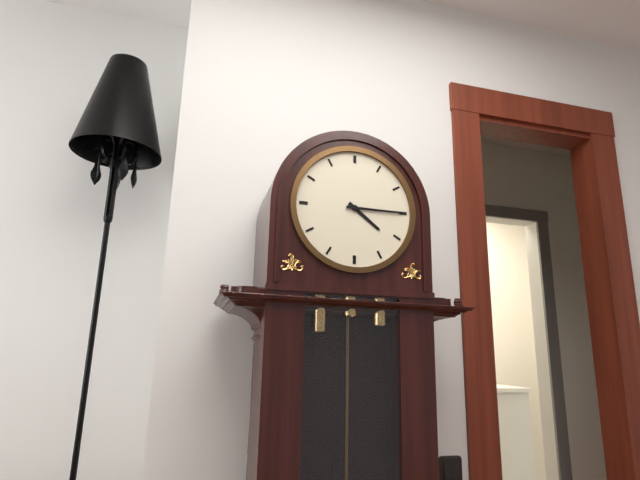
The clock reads h=4 m=15
